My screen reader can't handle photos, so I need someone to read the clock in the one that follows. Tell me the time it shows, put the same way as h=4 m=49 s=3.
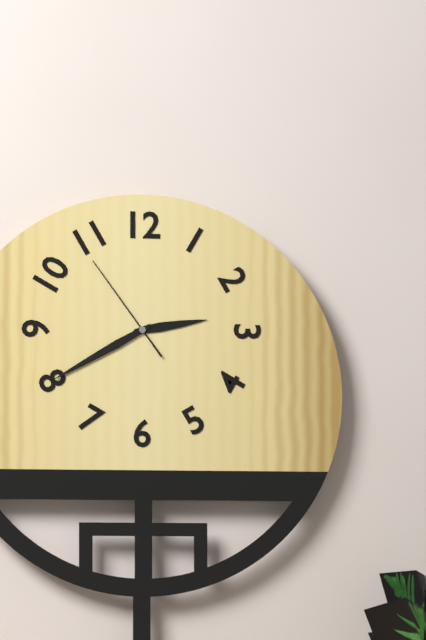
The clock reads h=2 m=40 s=54
